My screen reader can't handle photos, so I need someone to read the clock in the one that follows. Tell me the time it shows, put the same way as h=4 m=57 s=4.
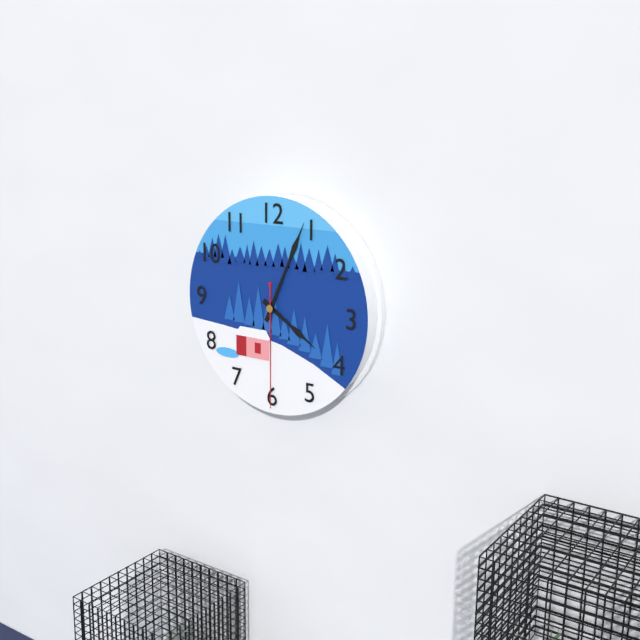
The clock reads h=4 m=4 s=30
